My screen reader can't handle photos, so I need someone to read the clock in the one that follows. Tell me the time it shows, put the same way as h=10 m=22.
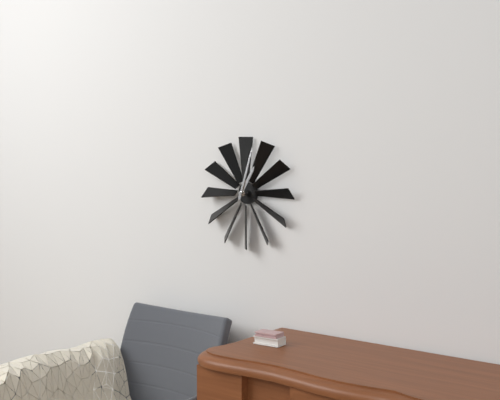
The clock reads h=1 m=3
